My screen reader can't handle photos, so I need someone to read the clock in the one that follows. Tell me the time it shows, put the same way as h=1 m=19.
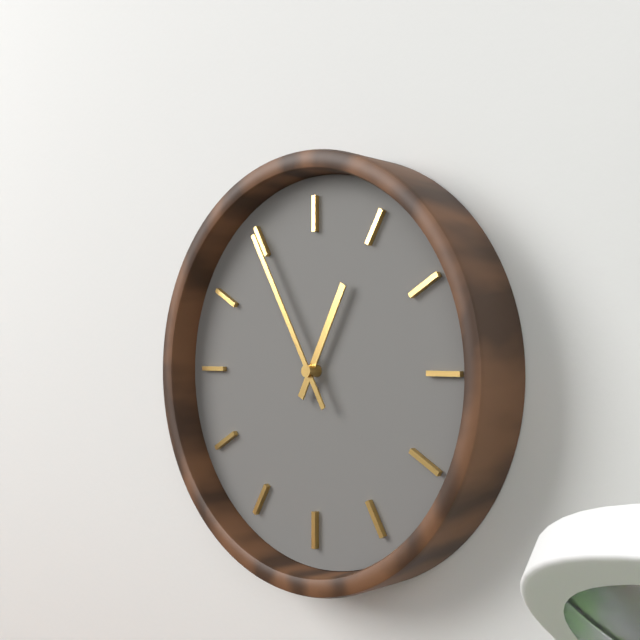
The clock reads h=12 m=55
